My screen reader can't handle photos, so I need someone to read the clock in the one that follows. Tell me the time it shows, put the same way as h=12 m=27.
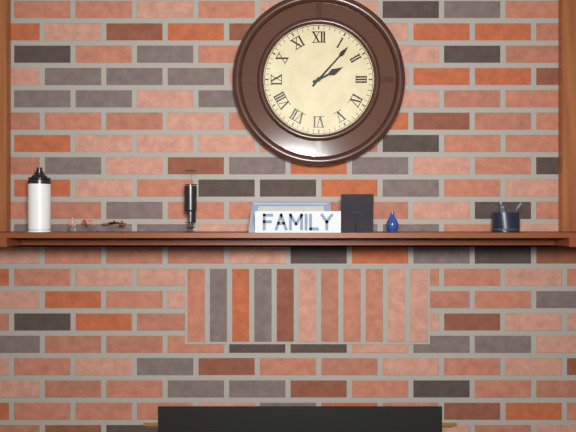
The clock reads h=2 m=7
